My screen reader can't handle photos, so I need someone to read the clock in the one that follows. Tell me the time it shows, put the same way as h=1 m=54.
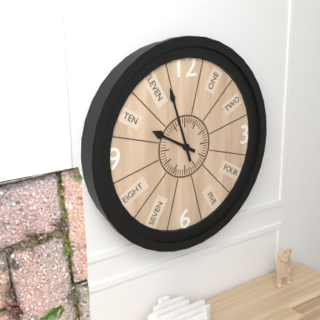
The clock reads h=9 m=57
